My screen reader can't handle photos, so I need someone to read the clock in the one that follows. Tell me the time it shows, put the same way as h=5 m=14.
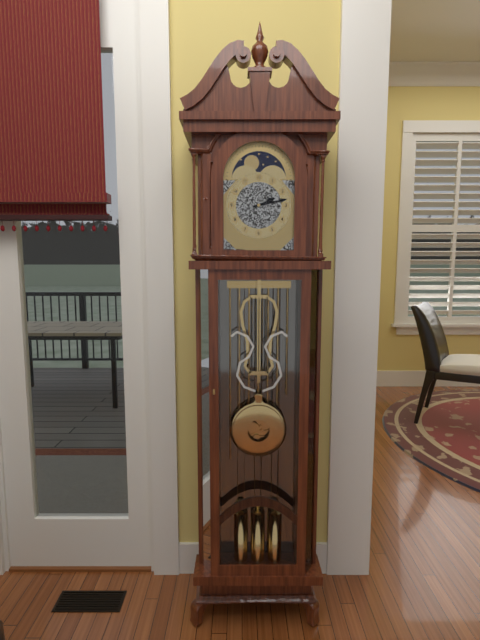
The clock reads h=2 m=13
